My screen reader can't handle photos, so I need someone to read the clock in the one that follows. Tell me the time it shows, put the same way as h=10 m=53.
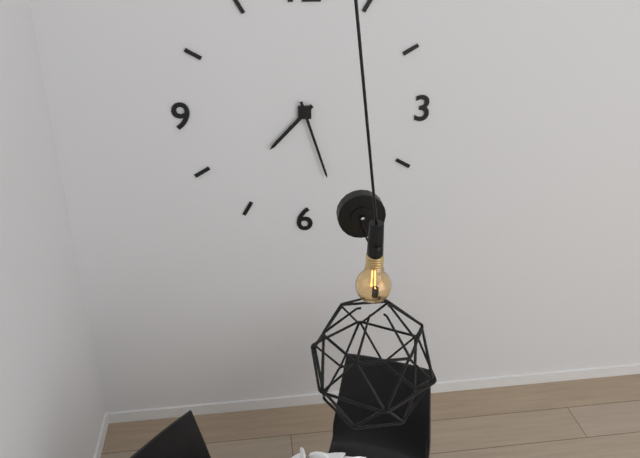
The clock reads h=7 m=27
